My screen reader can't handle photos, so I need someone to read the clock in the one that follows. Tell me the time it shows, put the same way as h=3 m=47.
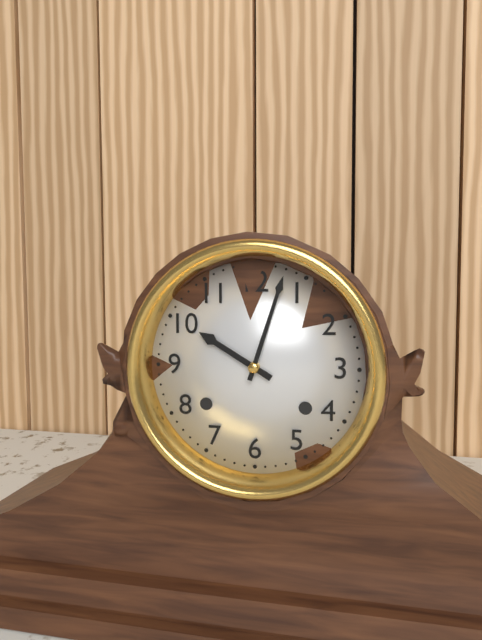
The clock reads h=10 m=3
